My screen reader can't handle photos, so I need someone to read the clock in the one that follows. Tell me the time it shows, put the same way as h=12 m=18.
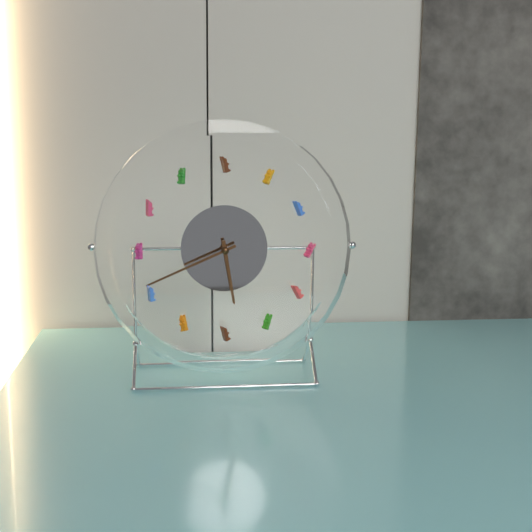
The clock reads h=5 m=41
